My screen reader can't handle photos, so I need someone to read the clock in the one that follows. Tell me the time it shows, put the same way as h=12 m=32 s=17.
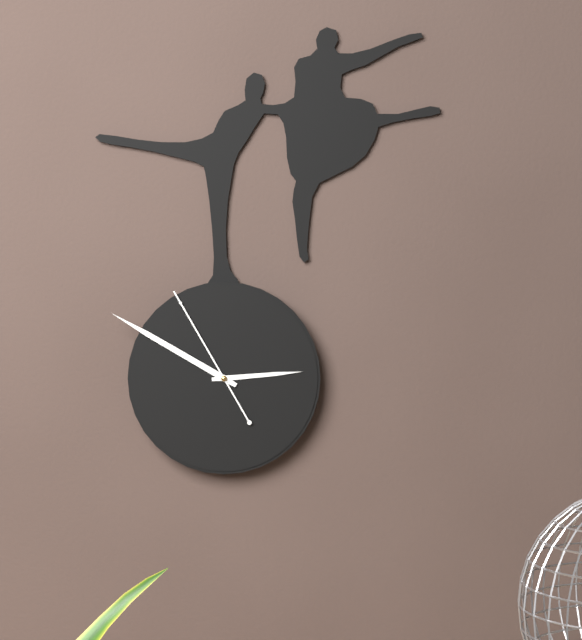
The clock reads h=2 m=50 s=55
